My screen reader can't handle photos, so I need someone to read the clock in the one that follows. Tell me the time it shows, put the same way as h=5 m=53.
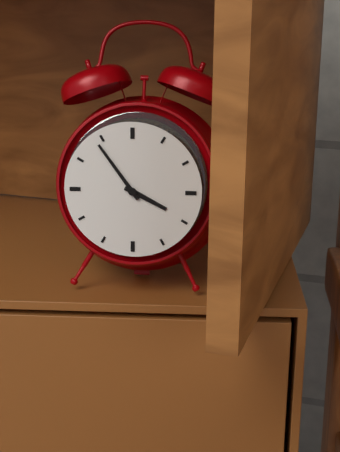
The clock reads h=3 m=54
